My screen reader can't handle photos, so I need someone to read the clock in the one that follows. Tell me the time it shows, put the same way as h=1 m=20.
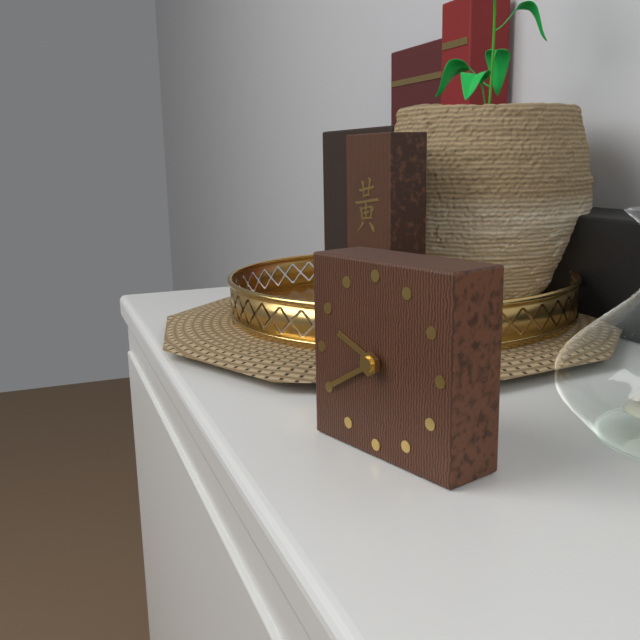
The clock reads h=9 m=40
